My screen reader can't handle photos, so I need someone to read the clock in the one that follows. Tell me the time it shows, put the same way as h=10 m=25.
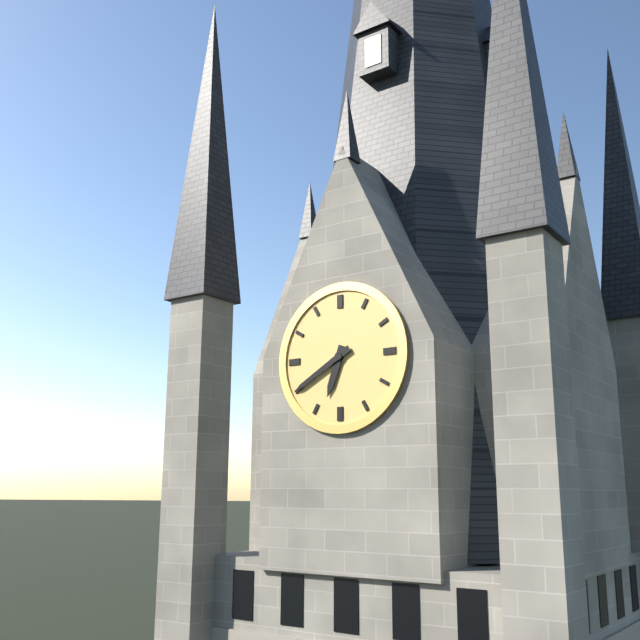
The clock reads h=6 m=40
